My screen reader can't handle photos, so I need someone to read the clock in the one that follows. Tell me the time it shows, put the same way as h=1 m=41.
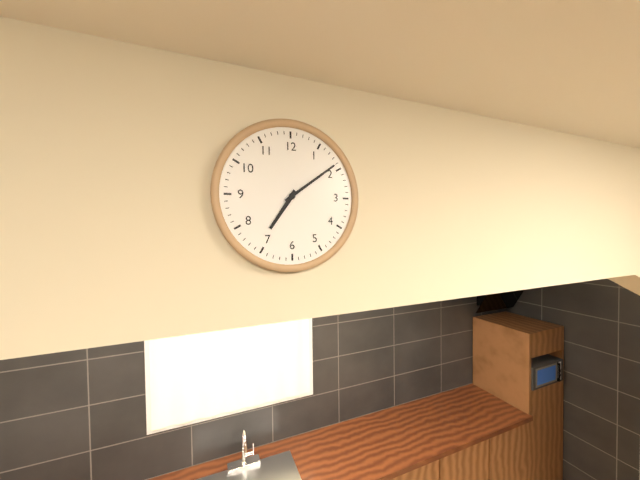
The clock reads h=7 m=9
